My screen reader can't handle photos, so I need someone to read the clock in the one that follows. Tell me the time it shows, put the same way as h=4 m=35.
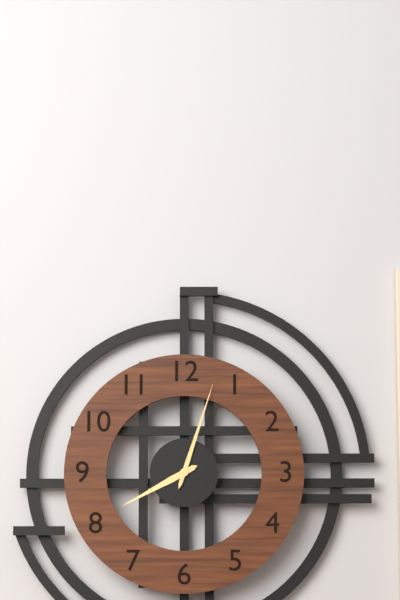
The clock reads h=8 m=3
